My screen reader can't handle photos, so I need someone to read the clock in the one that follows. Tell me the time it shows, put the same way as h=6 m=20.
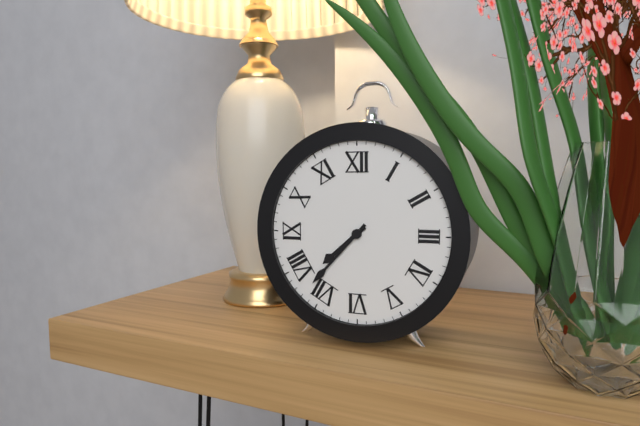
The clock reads h=7 m=37
